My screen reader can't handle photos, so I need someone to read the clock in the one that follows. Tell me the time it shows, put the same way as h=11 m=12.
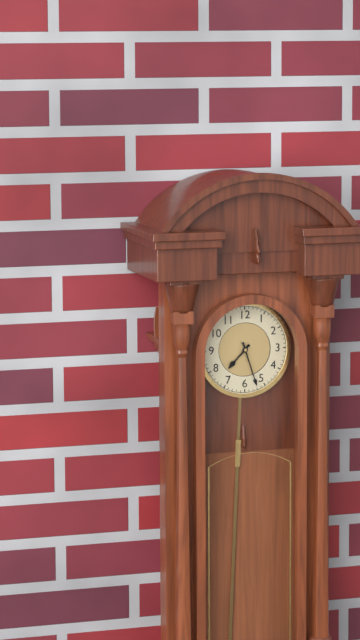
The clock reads h=7 m=27
